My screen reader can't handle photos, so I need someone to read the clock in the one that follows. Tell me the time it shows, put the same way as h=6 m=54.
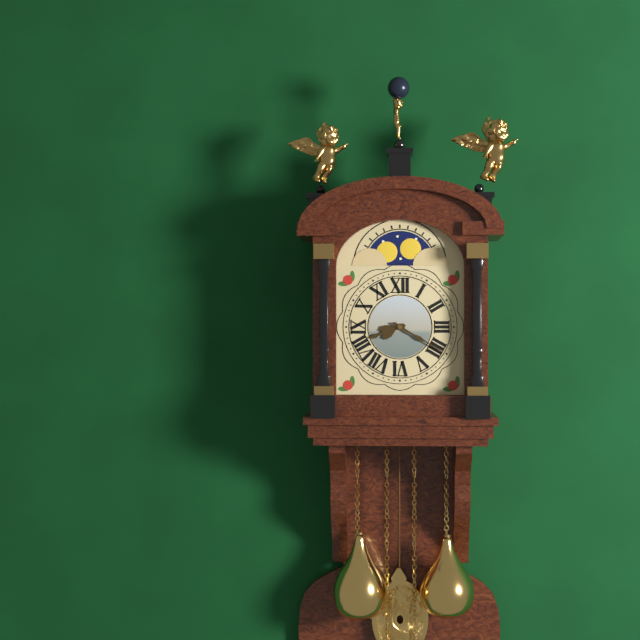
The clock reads h=8 m=20
